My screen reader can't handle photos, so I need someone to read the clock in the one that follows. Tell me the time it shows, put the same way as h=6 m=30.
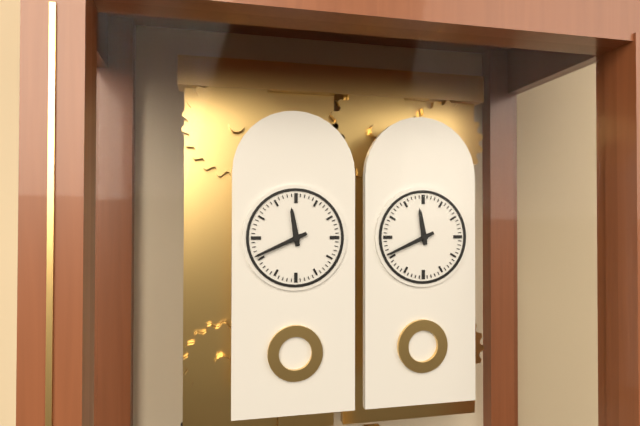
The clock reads h=11 m=41
